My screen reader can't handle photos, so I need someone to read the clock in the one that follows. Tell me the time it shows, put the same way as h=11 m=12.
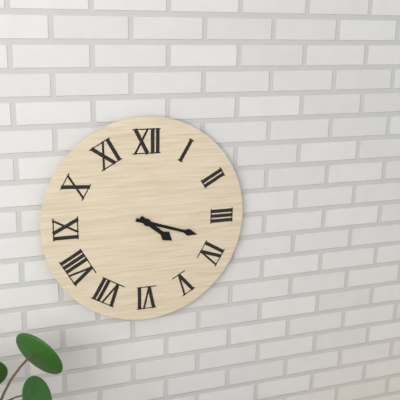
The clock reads h=4 m=18
